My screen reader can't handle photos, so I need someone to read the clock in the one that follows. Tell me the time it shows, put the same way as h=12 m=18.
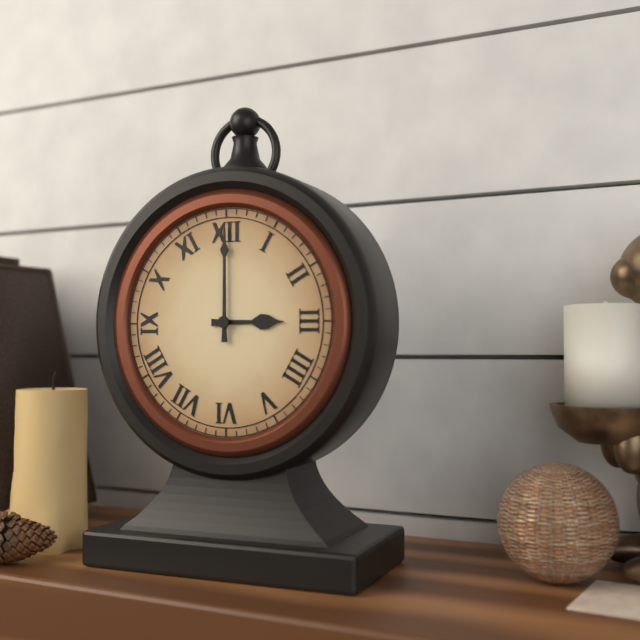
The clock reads h=3 m=0
